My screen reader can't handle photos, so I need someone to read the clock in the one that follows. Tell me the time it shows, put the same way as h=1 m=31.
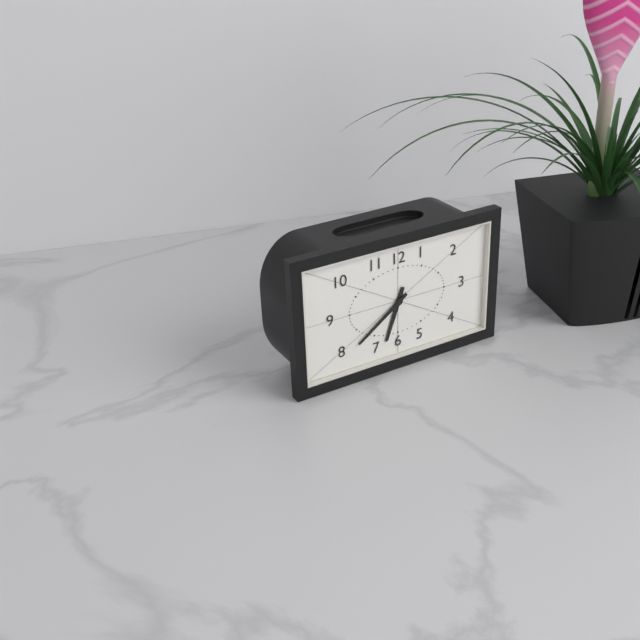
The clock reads h=6 m=39
